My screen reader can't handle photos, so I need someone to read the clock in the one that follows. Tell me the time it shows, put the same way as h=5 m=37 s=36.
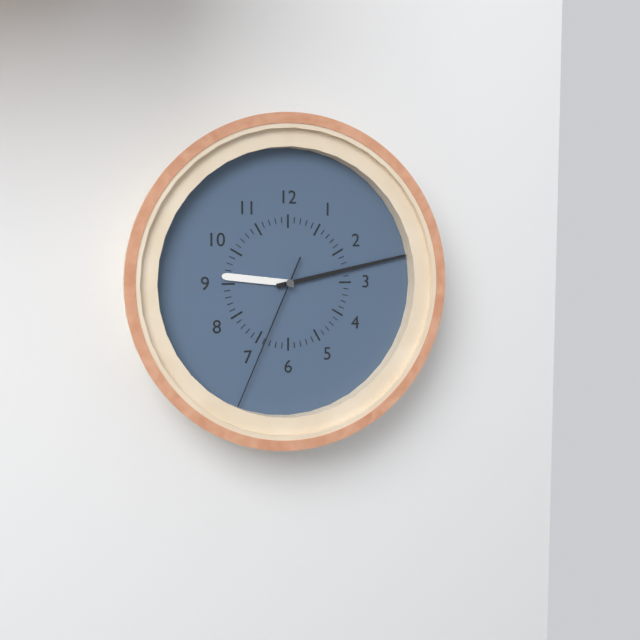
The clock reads h=9 m=13 s=34
